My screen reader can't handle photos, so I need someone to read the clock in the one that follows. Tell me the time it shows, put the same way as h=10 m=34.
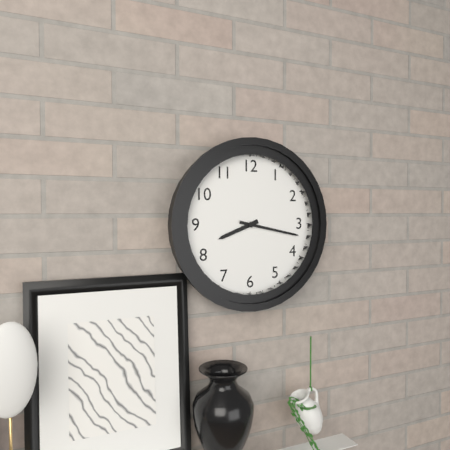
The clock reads h=8 m=17
